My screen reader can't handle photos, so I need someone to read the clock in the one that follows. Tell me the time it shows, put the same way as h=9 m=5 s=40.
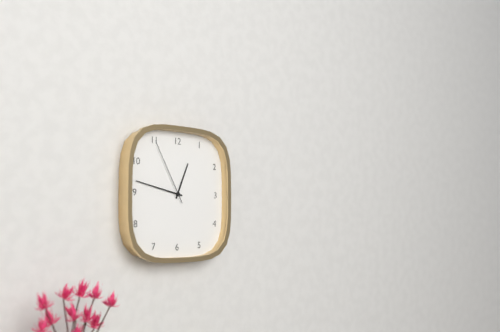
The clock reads h=12 m=47 s=55
